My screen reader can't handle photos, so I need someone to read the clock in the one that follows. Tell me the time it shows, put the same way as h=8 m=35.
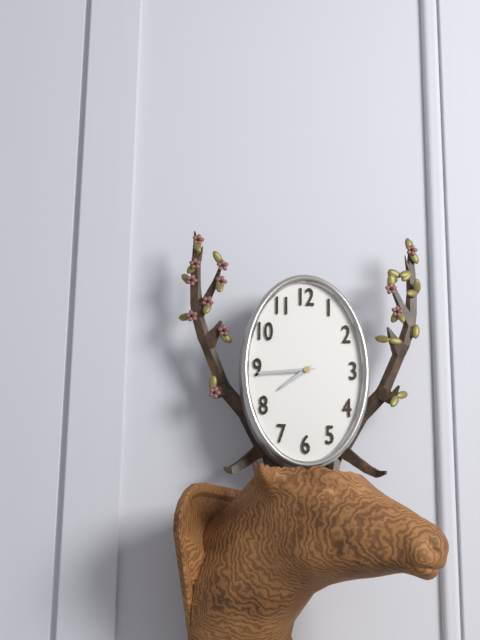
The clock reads h=7 m=44
